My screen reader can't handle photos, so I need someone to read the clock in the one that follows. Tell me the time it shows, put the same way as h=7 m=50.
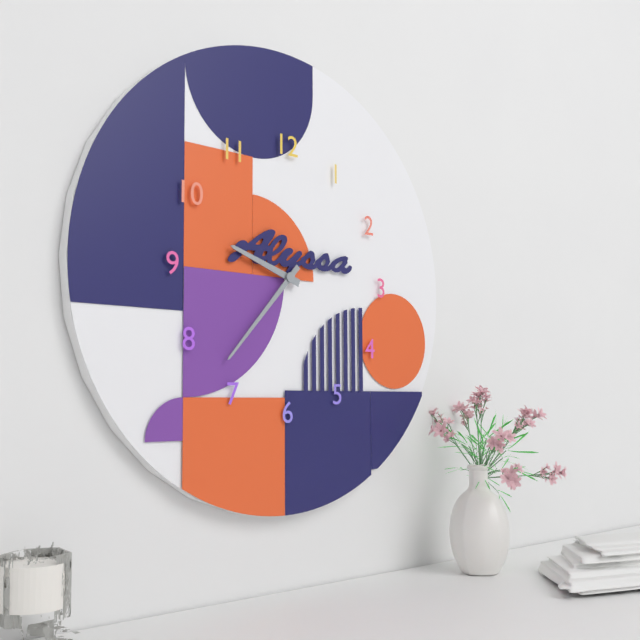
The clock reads h=9 m=37
